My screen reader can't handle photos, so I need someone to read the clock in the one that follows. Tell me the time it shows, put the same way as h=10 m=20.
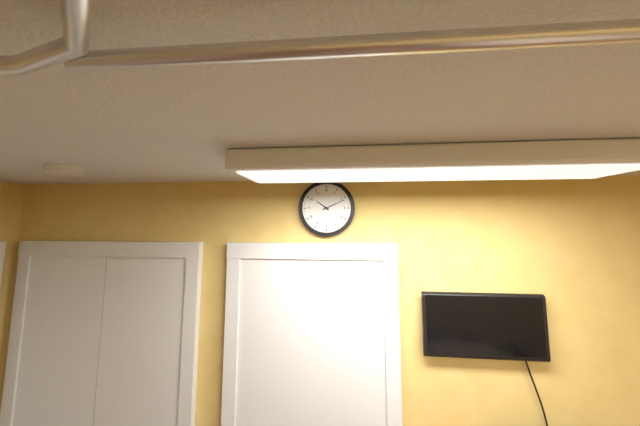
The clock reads h=10 m=11
